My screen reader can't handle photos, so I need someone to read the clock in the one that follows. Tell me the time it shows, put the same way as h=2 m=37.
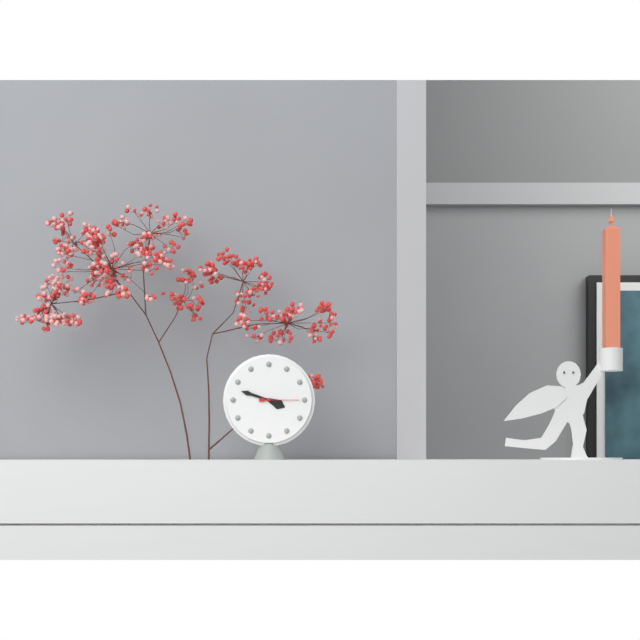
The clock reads h=3 m=48
